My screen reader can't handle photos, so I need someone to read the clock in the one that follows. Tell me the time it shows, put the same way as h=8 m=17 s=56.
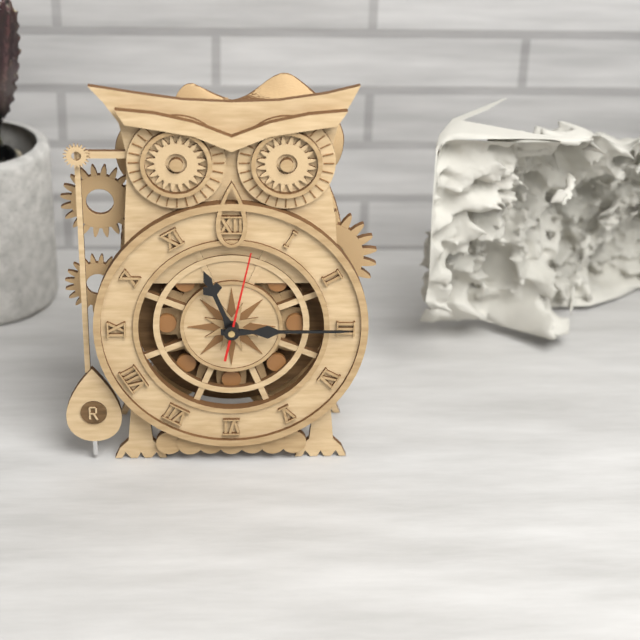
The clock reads h=11 m=15 s=2
